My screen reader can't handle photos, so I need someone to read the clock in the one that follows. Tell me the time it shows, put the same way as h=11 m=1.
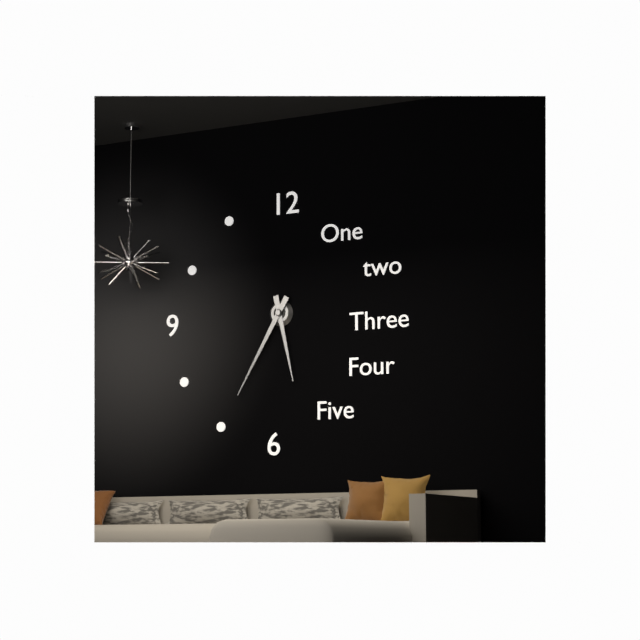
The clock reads h=5 m=35
